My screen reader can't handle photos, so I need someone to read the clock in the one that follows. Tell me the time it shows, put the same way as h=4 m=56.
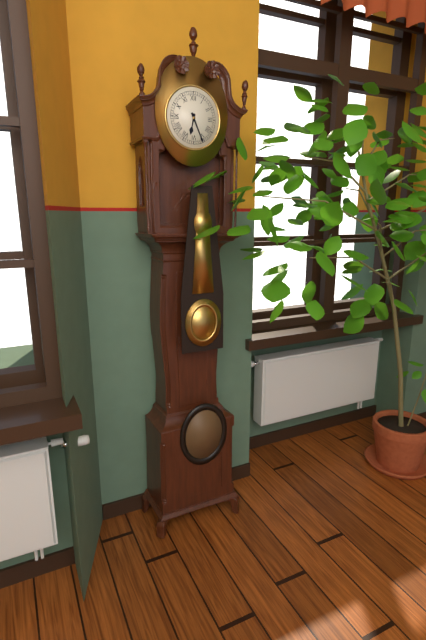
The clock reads h=6 m=26
